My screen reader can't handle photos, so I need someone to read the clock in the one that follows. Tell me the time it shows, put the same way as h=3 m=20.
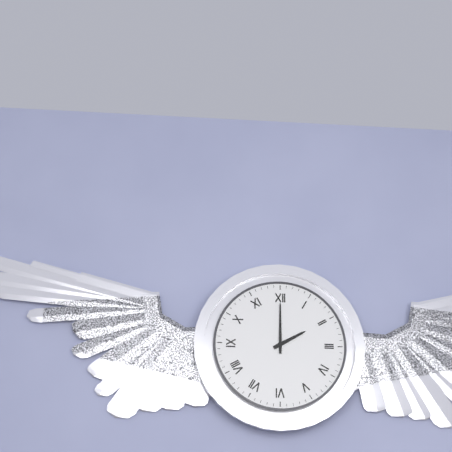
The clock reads h=2 m=0
